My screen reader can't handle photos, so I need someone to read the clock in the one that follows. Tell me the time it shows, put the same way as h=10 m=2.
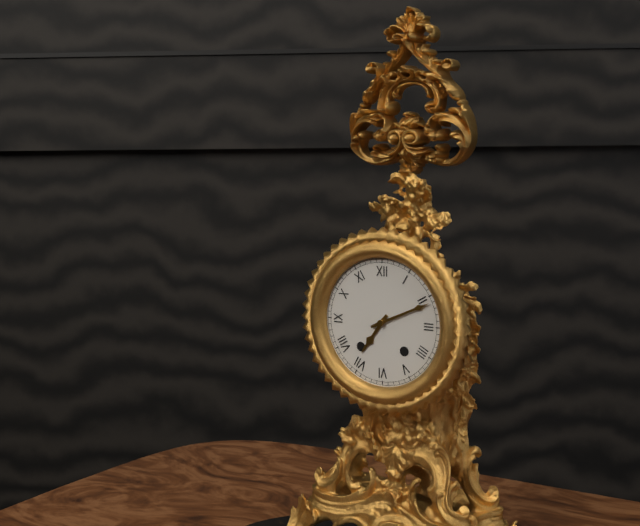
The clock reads h=7 m=11
